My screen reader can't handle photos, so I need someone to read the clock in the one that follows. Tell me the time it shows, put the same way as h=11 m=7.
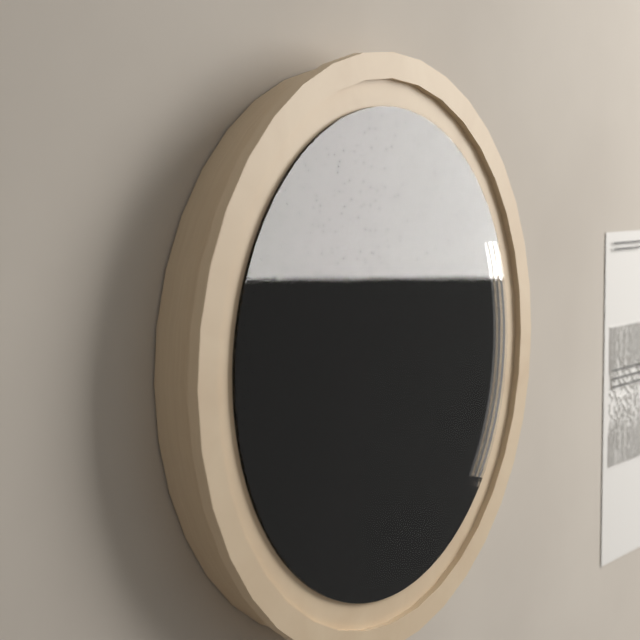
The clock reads h=7 m=55
